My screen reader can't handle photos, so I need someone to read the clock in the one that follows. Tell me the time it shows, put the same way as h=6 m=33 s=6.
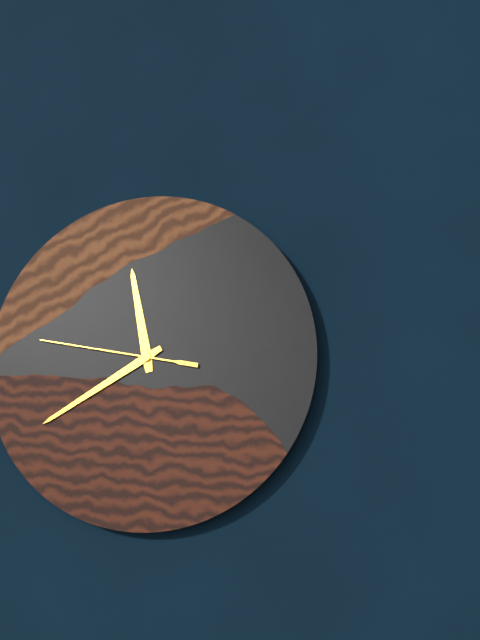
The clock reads h=11 m=40 s=47
